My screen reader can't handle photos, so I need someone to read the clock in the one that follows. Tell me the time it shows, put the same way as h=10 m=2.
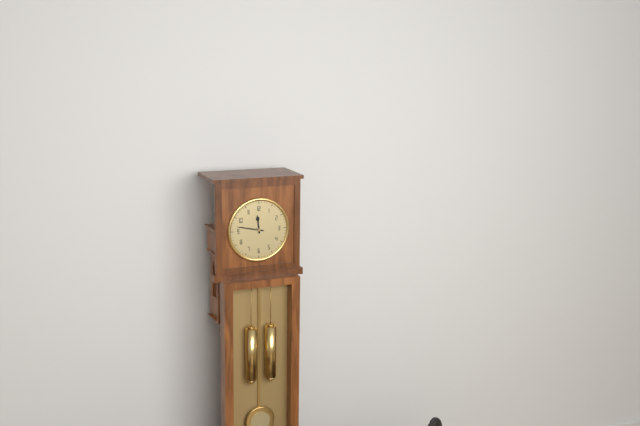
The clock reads h=11 m=47
